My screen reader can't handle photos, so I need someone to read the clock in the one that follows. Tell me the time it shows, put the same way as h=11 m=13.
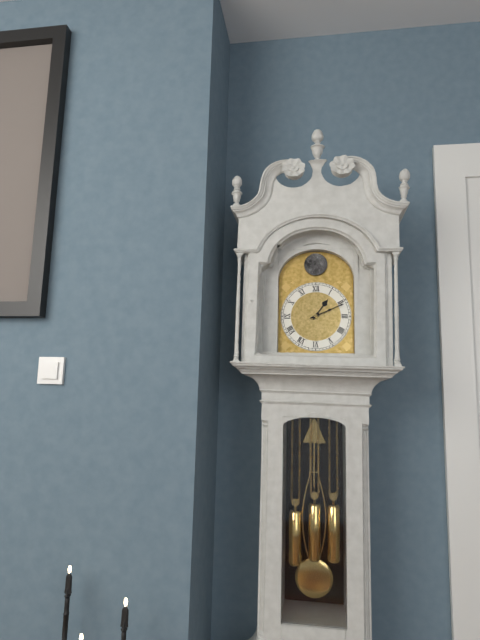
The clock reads h=1 m=11
